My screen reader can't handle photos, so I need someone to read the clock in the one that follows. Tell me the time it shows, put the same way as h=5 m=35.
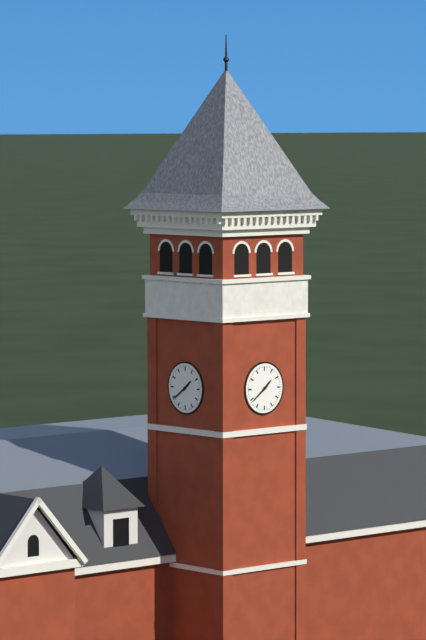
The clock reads h=1 m=39
